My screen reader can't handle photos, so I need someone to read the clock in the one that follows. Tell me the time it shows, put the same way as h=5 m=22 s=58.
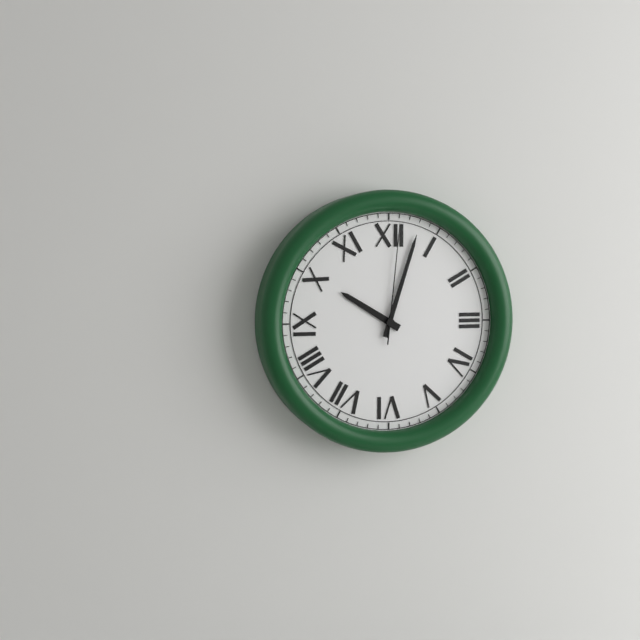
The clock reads h=10 m=3 s=1
